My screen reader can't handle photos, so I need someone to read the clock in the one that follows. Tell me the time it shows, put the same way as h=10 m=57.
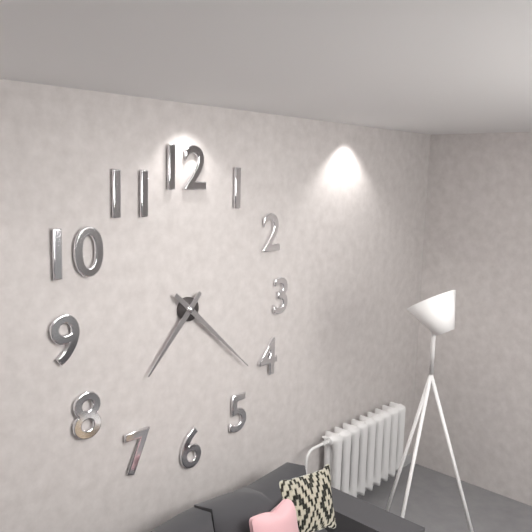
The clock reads h=7 m=22
